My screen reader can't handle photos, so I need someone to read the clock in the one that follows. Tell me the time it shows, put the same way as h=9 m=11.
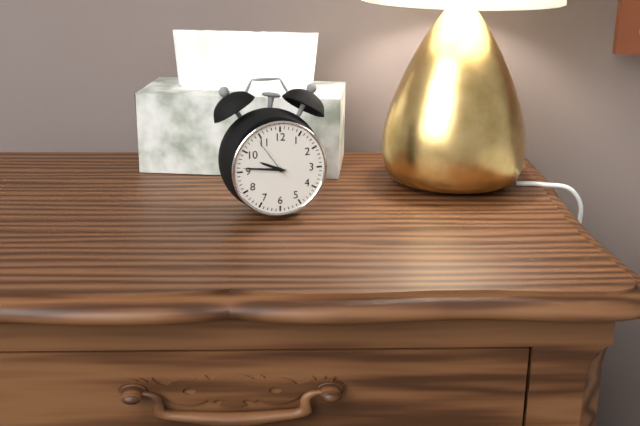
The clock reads h=9 m=46
